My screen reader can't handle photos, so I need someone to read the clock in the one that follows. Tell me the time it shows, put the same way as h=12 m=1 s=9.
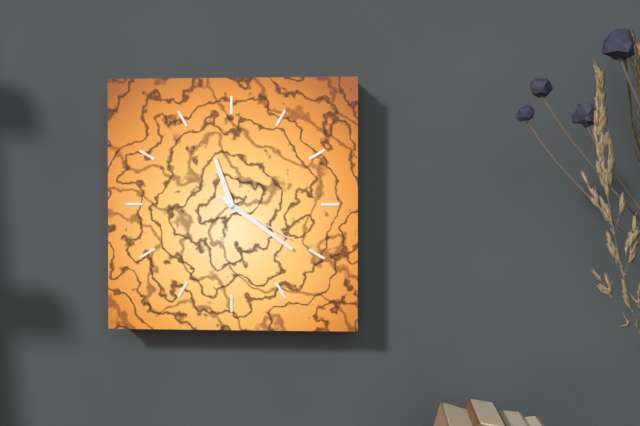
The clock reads h=11 m=21 s=20
